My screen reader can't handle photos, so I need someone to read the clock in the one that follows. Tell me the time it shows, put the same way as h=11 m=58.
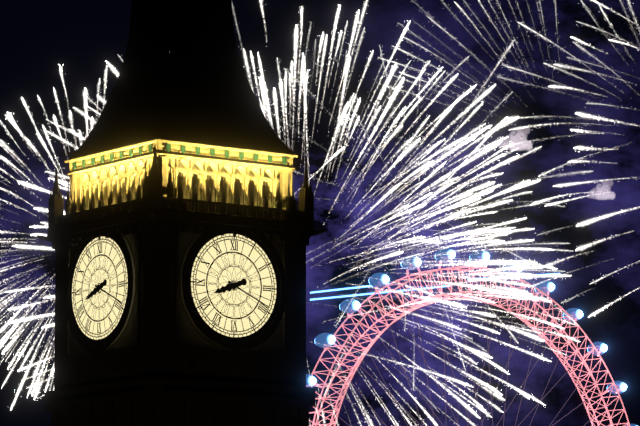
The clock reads h=8 m=19
